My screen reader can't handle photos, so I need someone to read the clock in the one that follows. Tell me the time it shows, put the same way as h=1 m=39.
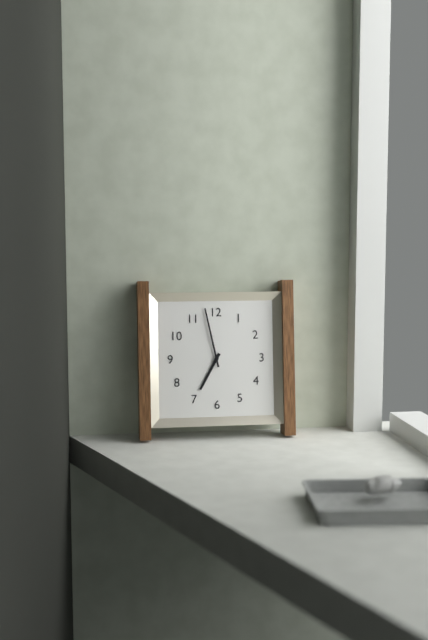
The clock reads h=6 m=58
